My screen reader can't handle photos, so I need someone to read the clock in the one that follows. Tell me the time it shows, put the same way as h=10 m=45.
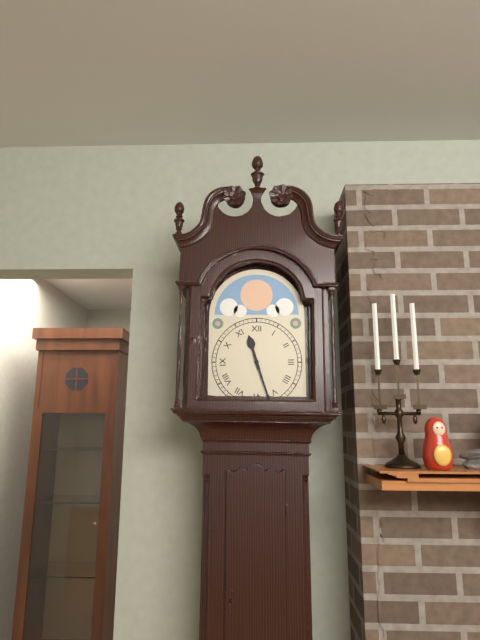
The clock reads h=11 m=27
